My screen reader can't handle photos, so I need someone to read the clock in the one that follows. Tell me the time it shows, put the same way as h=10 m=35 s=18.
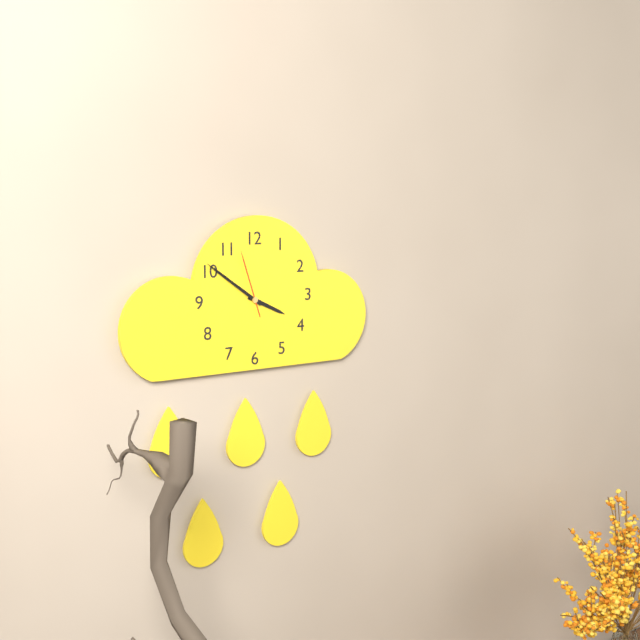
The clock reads h=3 m=51 s=57
